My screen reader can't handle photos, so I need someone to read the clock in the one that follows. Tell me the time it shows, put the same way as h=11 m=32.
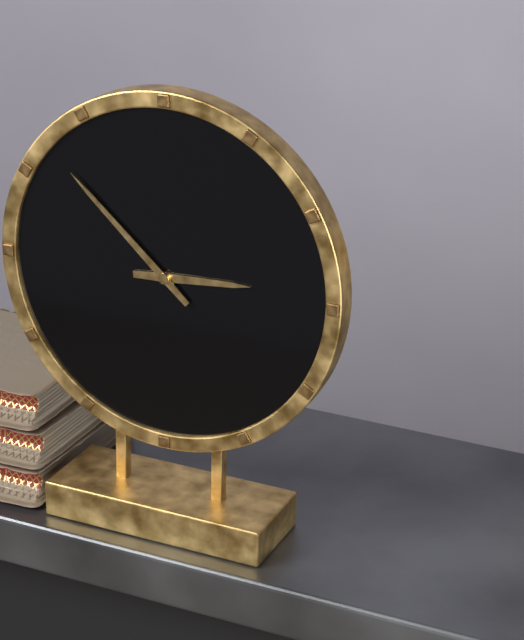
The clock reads h=2 m=52
